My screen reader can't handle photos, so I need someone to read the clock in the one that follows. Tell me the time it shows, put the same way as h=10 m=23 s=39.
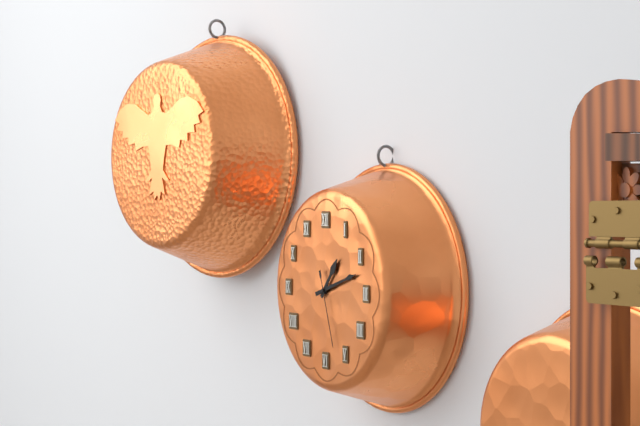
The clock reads h=1 m=12 s=27
